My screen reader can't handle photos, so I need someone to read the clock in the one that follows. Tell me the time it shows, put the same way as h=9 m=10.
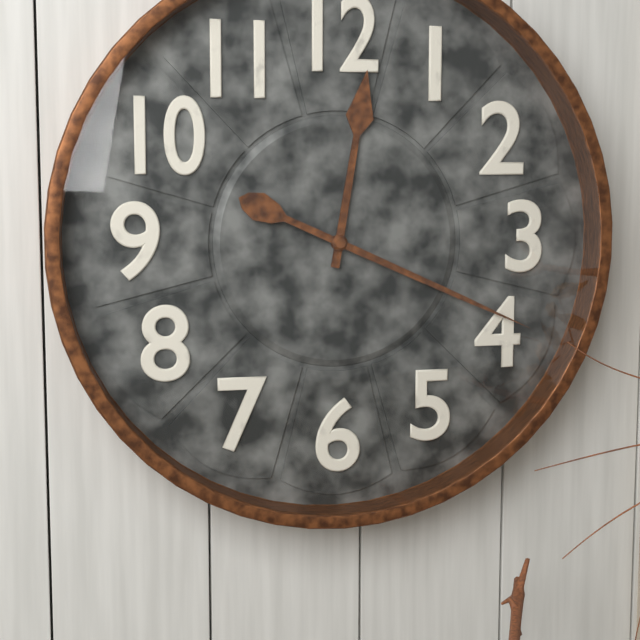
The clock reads h=12 m=19
